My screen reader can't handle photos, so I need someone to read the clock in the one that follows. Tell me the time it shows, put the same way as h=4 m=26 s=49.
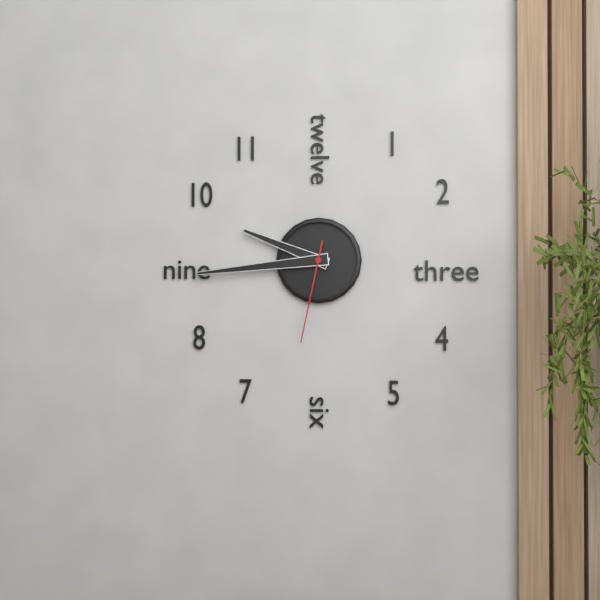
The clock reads h=9 m=44 s=32
